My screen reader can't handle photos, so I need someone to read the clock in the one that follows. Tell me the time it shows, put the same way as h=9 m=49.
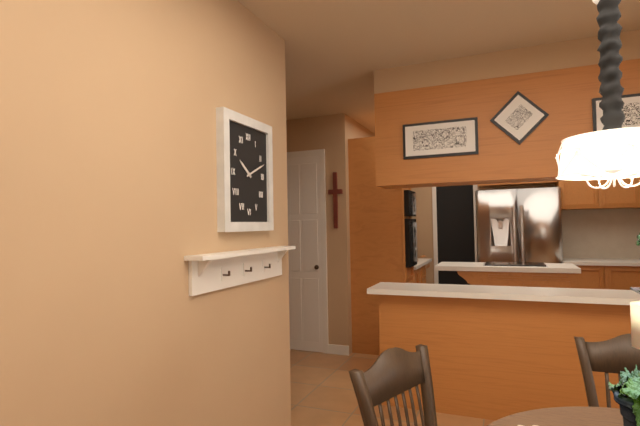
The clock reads h=10 m=11
